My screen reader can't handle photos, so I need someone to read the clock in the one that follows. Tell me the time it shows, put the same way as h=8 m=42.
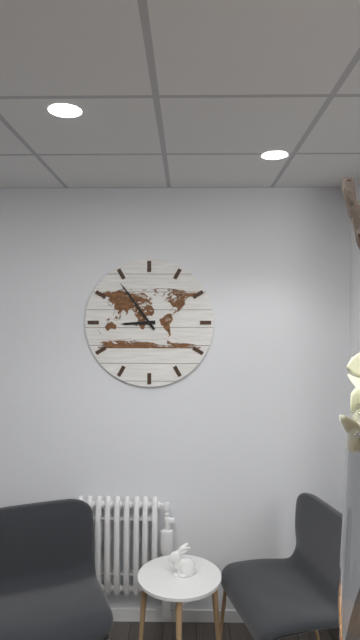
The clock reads h=8 m=54
